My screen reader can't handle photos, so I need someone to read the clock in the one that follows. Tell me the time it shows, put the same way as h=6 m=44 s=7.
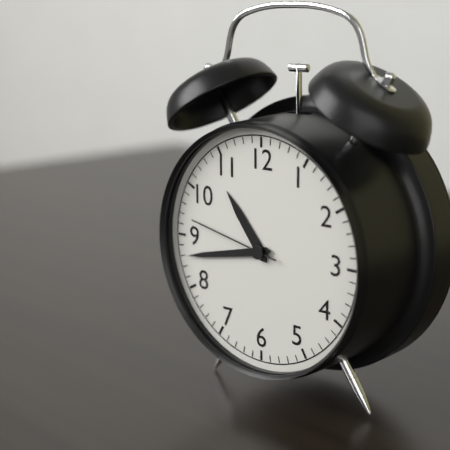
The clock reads h=10 m=43 s=47
